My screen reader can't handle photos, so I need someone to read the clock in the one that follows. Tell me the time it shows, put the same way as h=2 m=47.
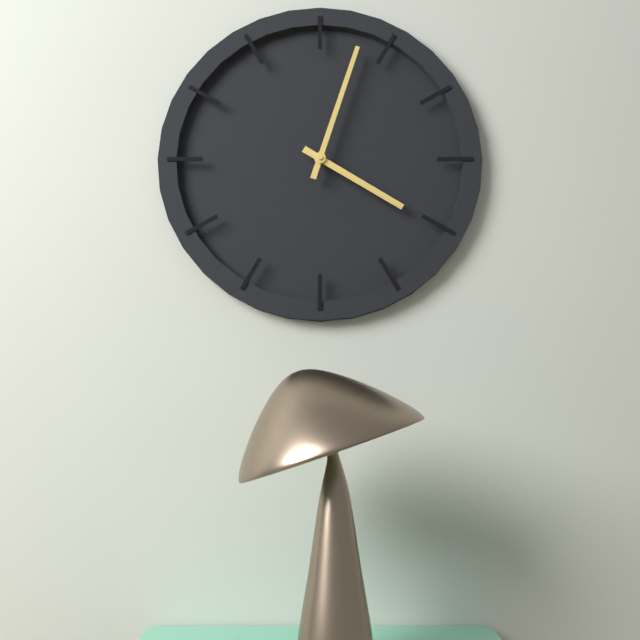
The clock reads h=4 m=3
